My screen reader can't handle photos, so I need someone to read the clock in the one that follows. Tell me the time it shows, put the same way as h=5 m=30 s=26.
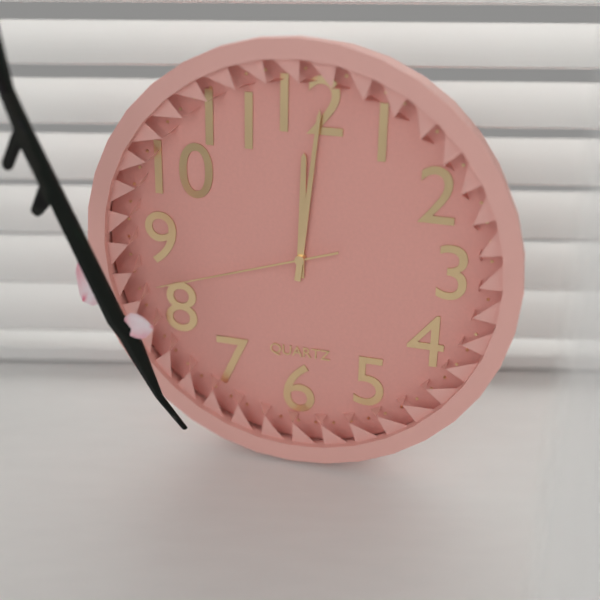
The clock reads h=12 m=1 s=42
